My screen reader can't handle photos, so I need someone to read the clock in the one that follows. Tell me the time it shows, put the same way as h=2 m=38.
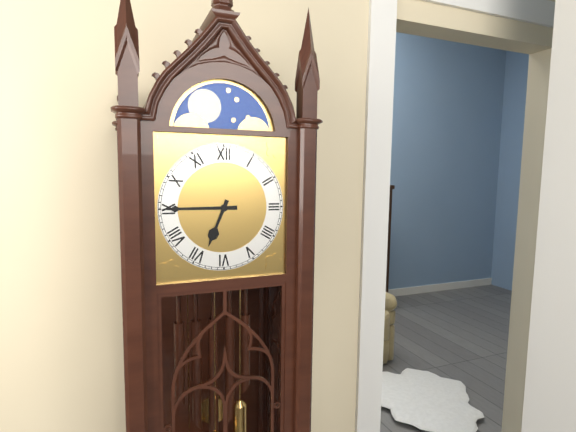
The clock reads h=6 m=45
